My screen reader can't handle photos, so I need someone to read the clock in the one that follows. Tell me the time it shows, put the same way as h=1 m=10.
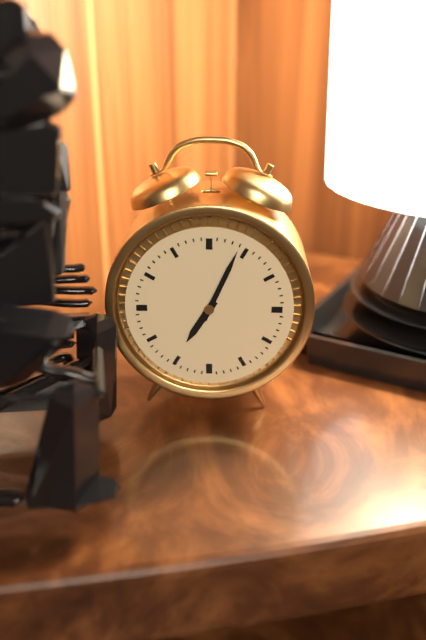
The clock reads h=7 m=4
